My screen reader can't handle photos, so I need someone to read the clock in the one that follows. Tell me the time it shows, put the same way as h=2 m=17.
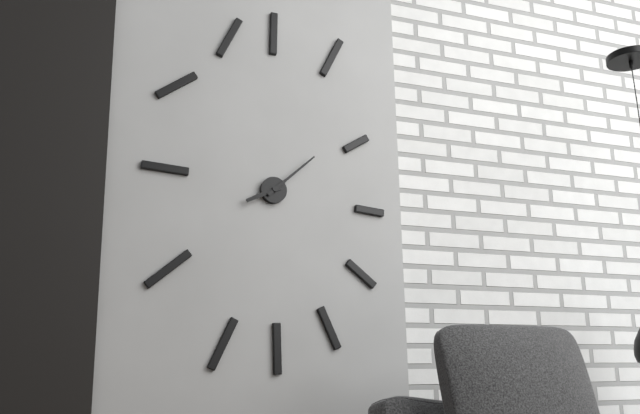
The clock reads h=8 m=8
